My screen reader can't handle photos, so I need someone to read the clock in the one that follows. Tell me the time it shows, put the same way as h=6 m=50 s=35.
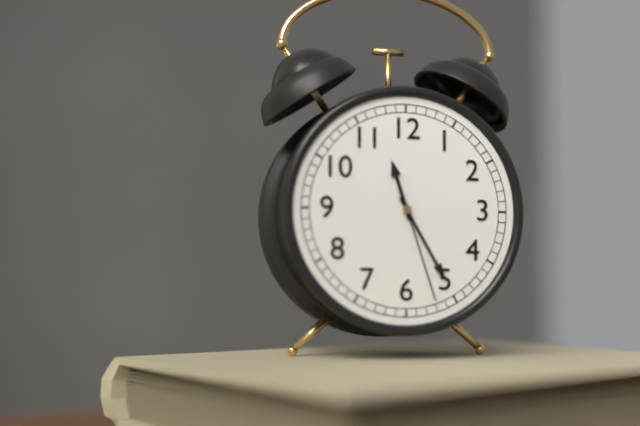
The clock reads h=11 m=25 s=27
